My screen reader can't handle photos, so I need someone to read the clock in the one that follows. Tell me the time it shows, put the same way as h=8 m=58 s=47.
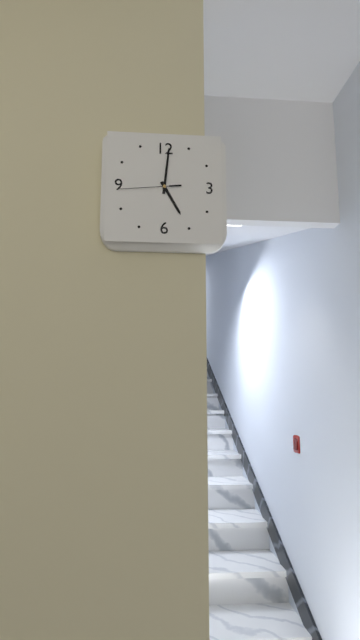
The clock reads h=5 m=1 s=44
